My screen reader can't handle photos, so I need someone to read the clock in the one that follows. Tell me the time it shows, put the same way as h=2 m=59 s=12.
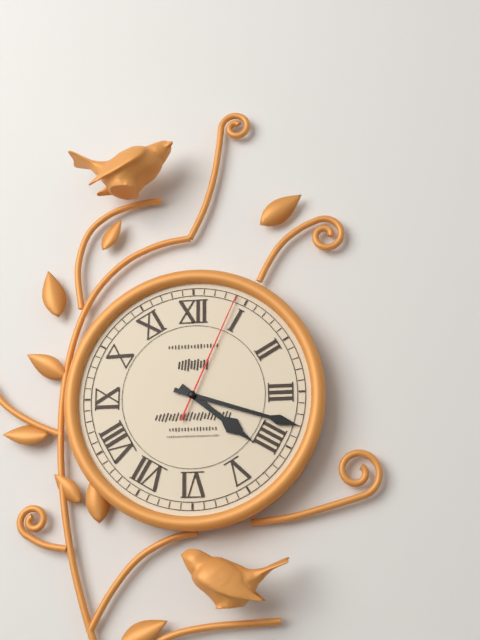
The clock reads h=4 m=18 s=4
